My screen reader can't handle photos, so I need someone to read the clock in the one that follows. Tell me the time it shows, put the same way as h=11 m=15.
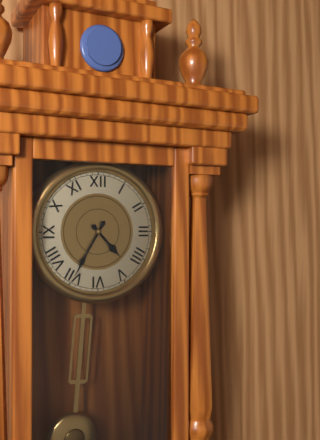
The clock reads h=4 m=35
